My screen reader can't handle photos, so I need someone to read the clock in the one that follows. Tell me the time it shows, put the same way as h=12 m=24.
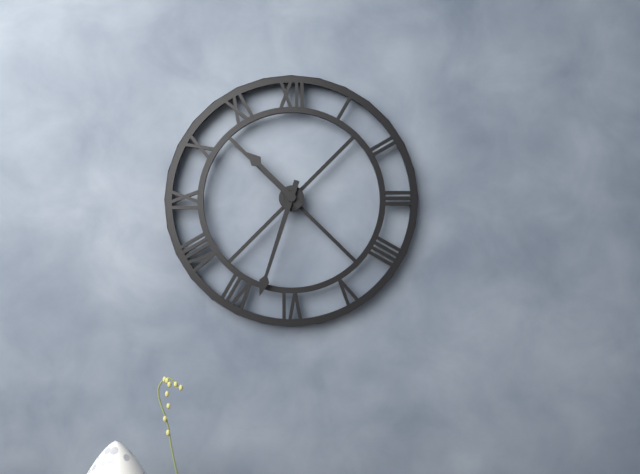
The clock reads h=10 m=33
